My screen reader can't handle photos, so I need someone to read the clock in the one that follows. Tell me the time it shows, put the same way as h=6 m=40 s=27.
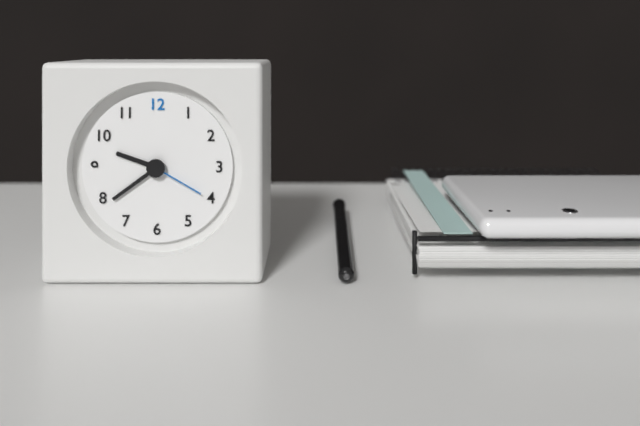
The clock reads h=9 m=39 s=20
